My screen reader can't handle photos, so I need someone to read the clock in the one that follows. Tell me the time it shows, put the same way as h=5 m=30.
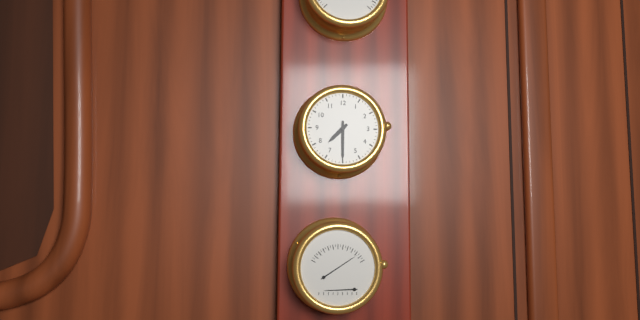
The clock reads h=7 m=30
